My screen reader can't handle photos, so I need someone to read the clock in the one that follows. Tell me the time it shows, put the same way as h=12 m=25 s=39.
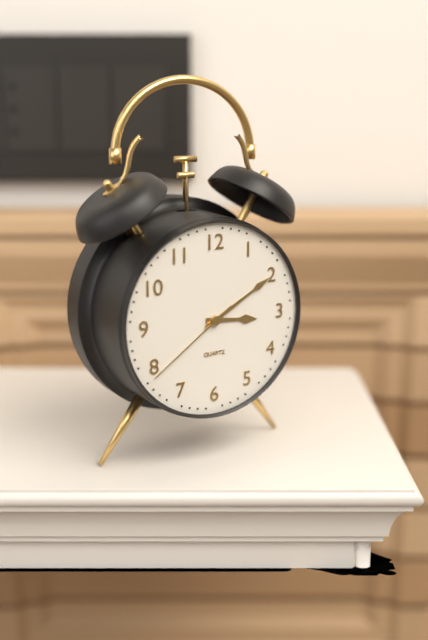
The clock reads h=3 m=10 s=39
